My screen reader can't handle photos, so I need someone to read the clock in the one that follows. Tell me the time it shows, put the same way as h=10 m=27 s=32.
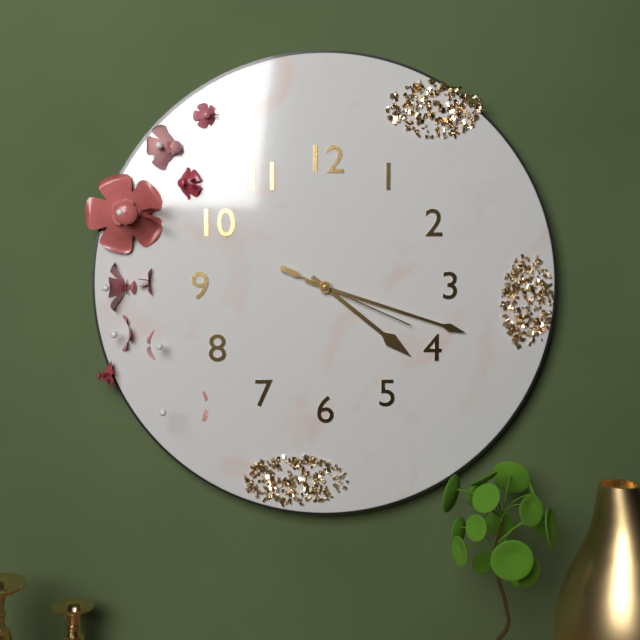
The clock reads h=4 m=18 s=19
